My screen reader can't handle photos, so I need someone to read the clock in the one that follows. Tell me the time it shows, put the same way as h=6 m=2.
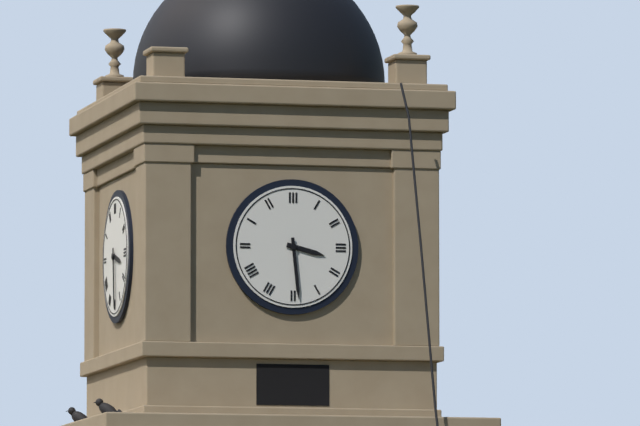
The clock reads h=3 m=29
